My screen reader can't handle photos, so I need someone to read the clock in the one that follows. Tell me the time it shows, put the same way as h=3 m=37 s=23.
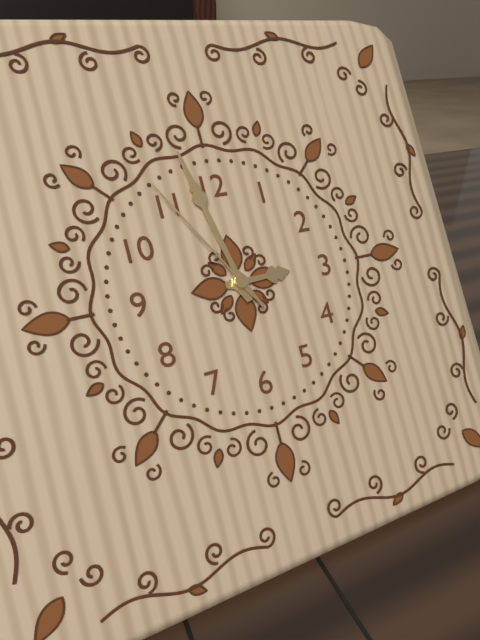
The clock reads h=2 m=58 s=55
